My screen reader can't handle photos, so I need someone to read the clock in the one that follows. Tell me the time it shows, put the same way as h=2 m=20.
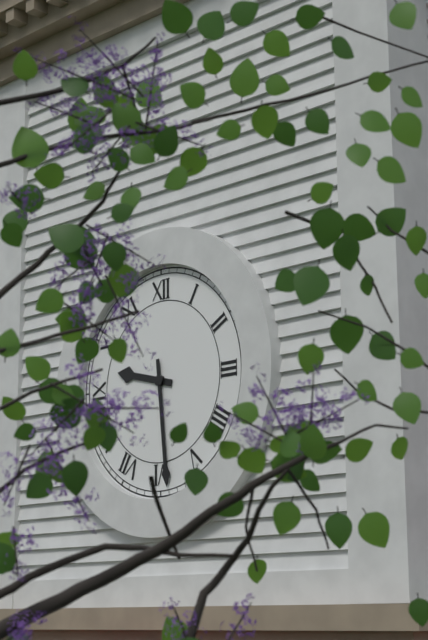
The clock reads h=9 m=29
